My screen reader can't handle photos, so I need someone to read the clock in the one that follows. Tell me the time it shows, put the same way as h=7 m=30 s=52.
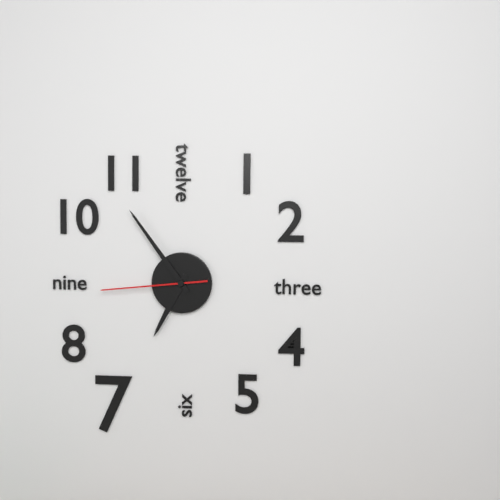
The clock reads h=6 m=54 s=44
